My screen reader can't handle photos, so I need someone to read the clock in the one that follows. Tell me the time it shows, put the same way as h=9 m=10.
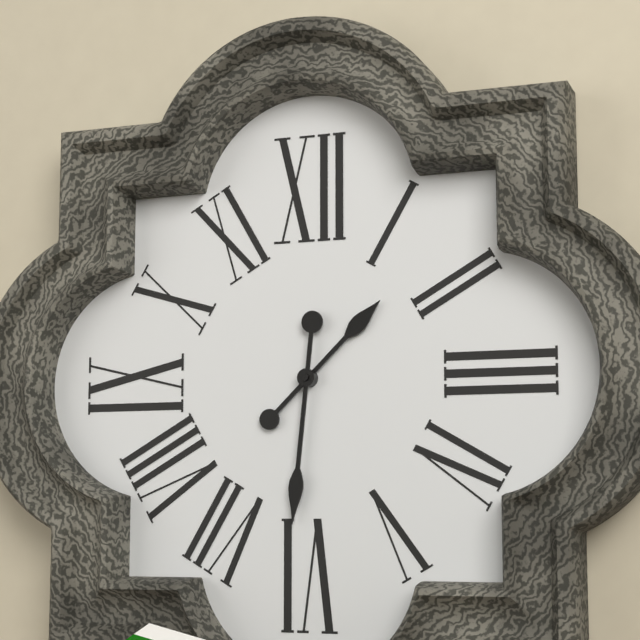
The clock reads h=1 m=31
